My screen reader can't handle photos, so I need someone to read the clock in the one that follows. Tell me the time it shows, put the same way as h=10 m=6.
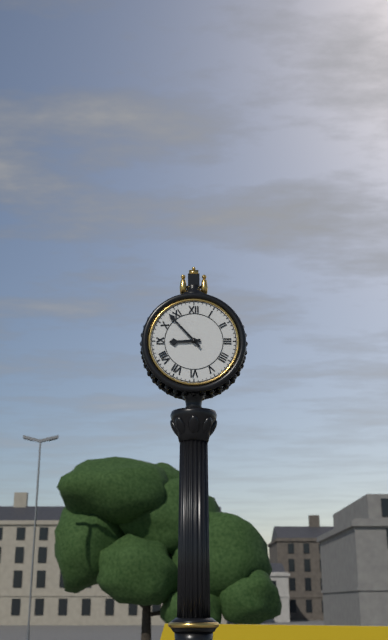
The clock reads h=8 m=53
